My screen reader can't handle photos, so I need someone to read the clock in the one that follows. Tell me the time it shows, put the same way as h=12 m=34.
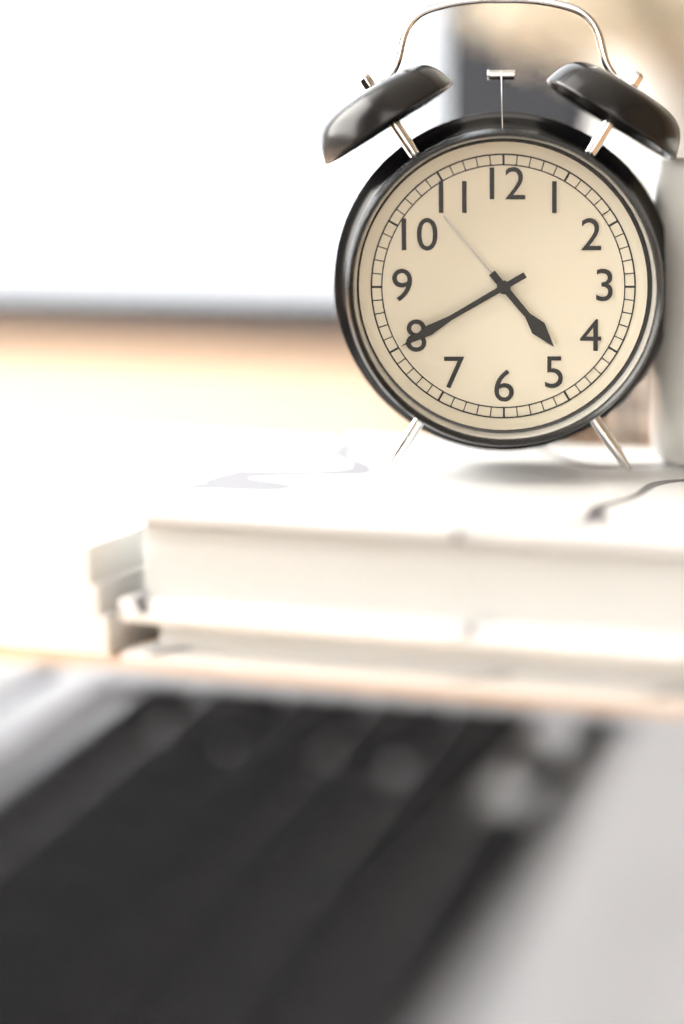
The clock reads h=4 m=40
